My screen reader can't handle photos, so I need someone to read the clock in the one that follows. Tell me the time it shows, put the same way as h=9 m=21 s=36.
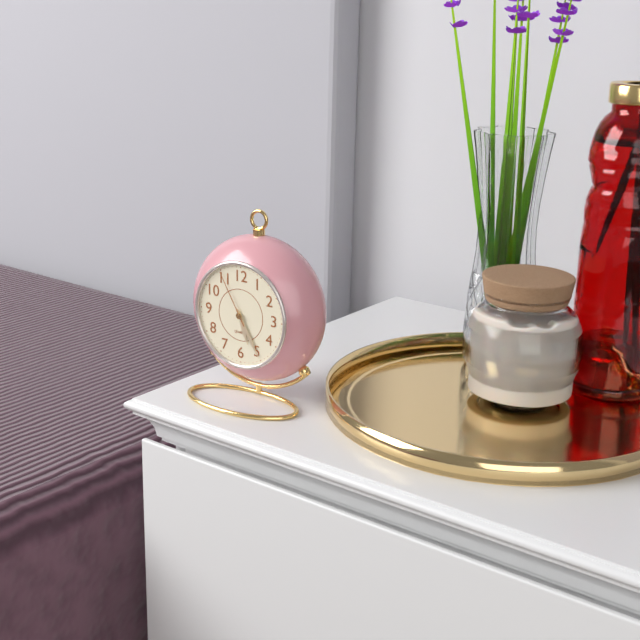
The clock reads h=5 m=25 s=55
